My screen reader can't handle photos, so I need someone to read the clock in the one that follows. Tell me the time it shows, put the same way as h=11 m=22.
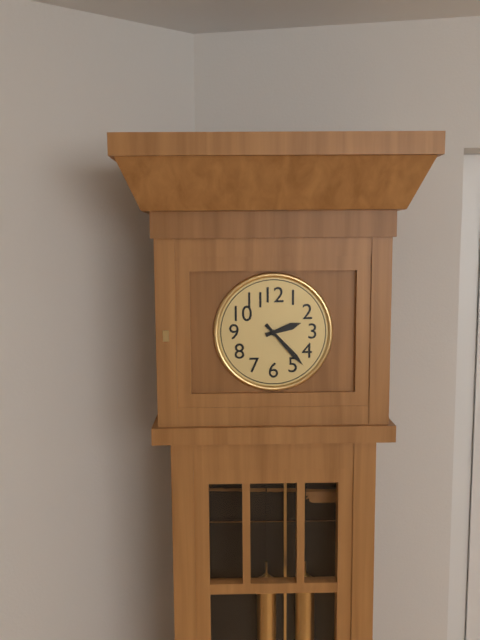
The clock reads h=2 m=23
